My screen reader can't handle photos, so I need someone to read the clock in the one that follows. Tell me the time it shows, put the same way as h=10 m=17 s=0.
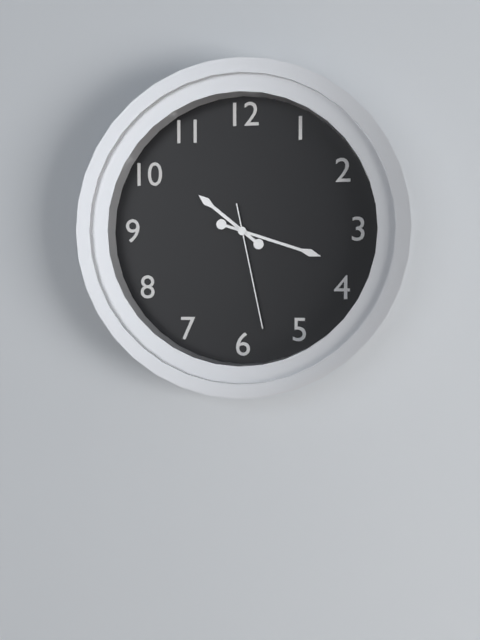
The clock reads h=10 m=18 s=28
